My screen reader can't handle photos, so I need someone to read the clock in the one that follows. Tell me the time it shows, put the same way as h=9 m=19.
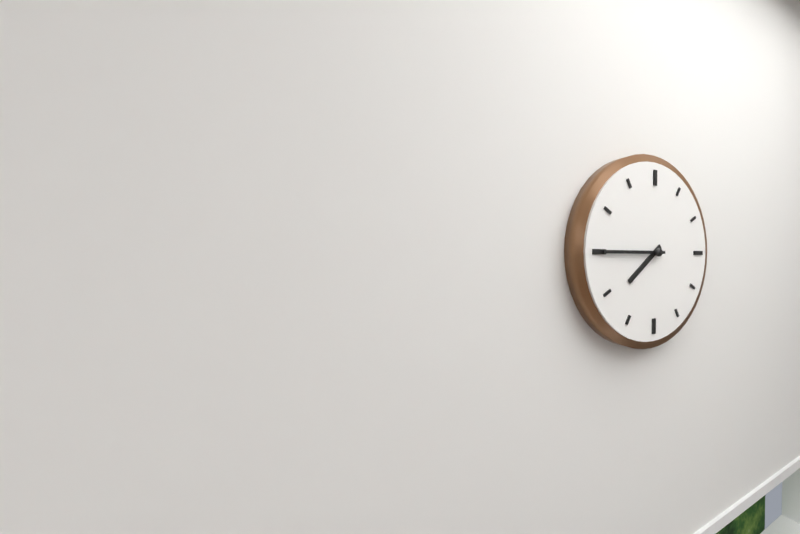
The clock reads h=7 m=45
